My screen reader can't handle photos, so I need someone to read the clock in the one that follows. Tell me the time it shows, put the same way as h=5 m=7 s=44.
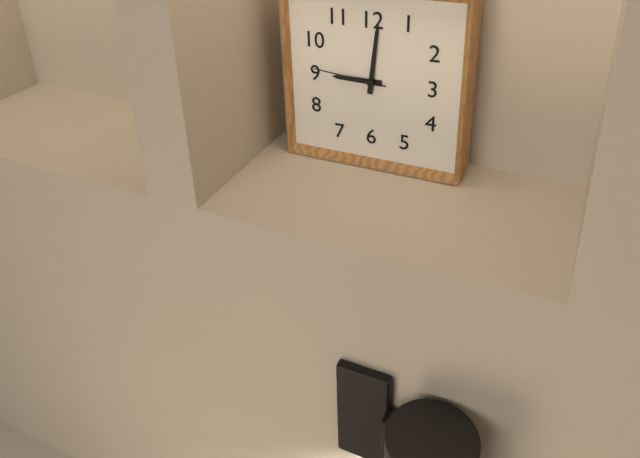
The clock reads h=9 m=1 s=46
